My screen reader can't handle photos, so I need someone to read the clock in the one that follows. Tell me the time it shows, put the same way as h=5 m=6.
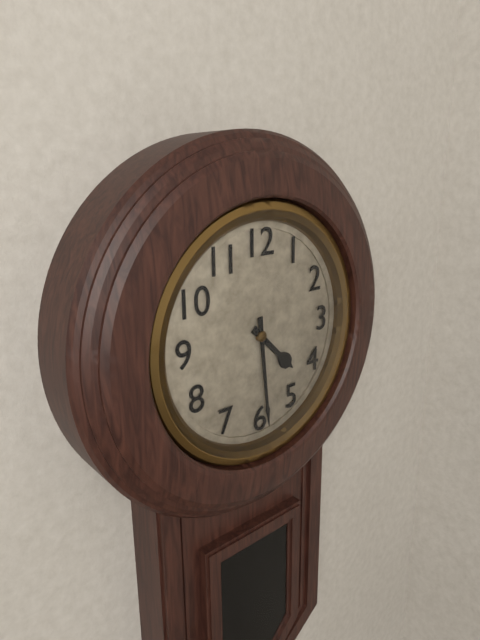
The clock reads h=4 m=29
